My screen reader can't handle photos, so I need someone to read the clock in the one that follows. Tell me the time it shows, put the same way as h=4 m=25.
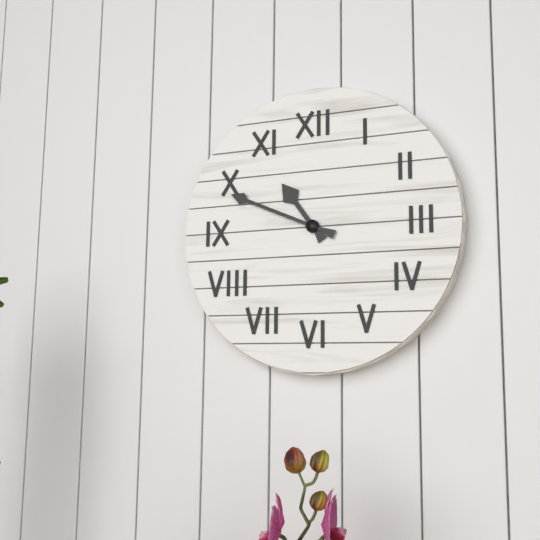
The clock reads h=10 m=49
